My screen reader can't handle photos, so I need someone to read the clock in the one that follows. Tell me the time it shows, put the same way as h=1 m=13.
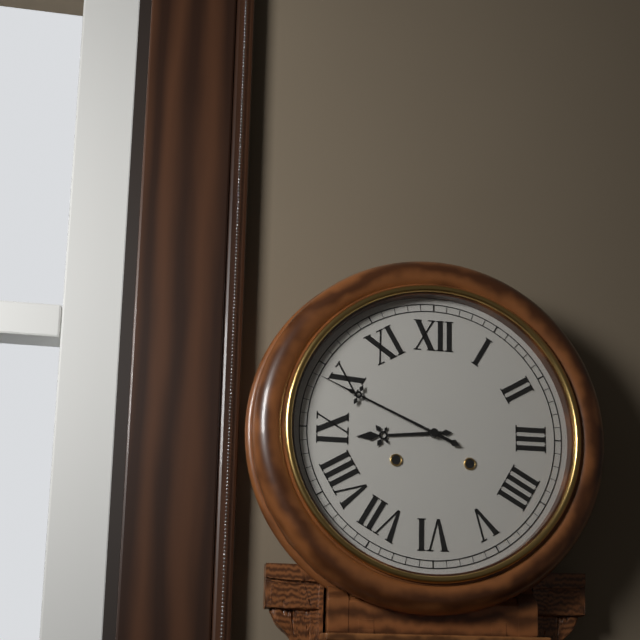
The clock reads h=8 m=49
